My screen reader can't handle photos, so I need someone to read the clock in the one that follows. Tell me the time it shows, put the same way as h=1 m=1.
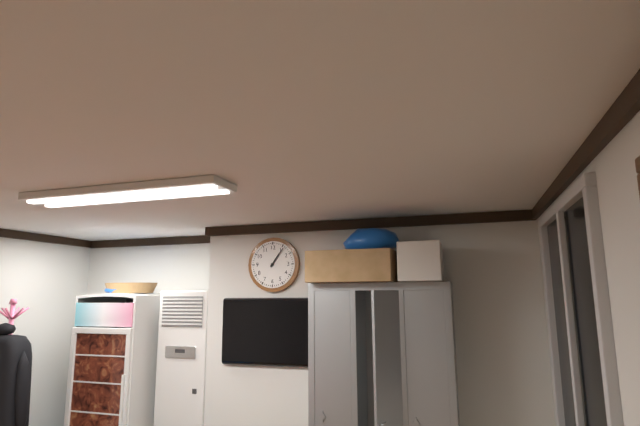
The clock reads h=1 m=6
